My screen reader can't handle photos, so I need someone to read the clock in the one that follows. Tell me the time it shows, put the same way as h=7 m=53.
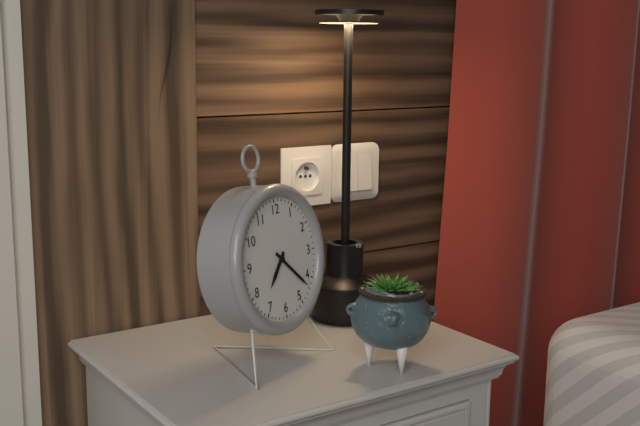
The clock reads h=7 m=22
